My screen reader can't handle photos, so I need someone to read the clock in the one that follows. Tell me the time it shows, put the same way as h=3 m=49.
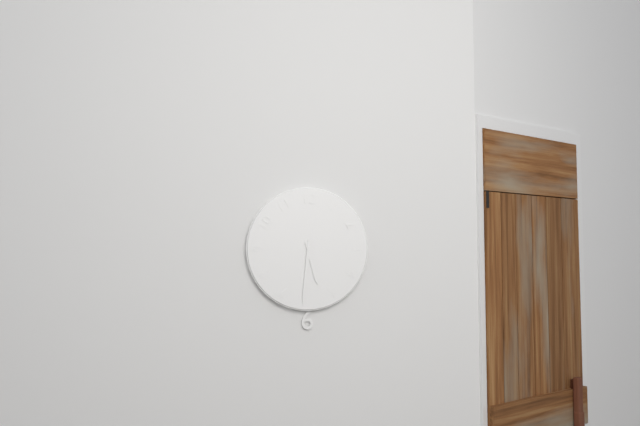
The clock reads h=5 m=31
